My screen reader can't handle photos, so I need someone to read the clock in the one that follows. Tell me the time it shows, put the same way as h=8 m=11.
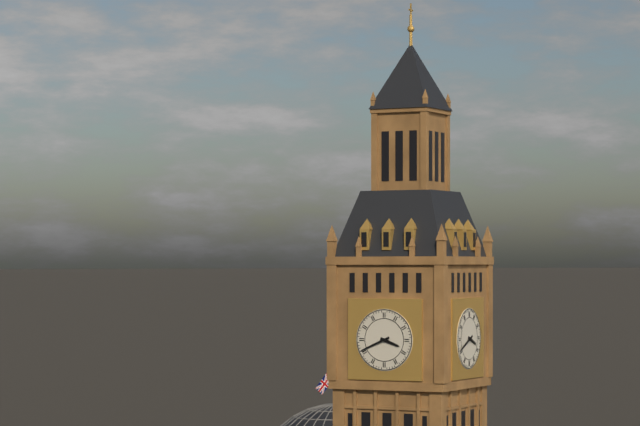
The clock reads h=3 m=41
